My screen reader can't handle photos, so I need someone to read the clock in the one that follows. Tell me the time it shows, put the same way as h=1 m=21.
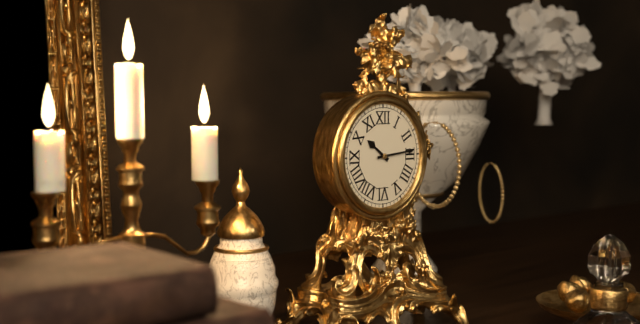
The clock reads h=10 m=14
